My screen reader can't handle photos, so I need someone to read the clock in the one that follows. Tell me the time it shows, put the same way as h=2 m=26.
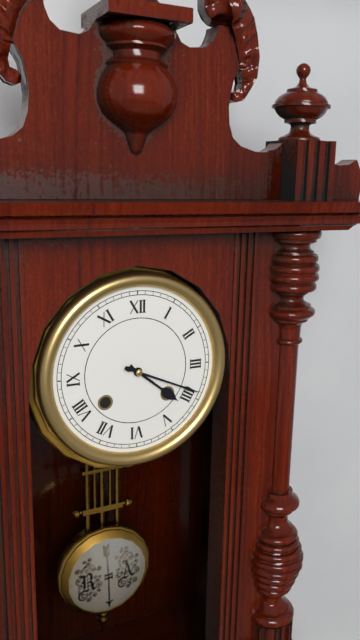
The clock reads h=4 m=19
